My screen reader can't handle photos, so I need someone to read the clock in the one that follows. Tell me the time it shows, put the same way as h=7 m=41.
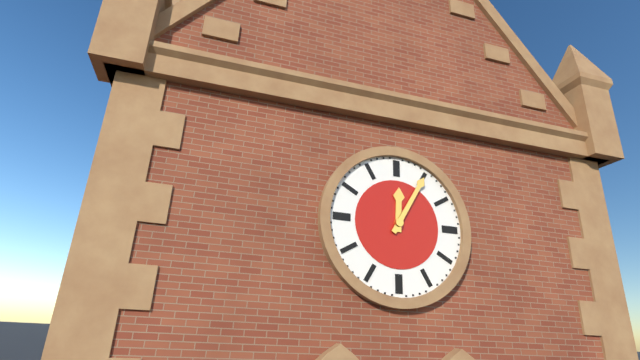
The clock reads h=12 m=5
